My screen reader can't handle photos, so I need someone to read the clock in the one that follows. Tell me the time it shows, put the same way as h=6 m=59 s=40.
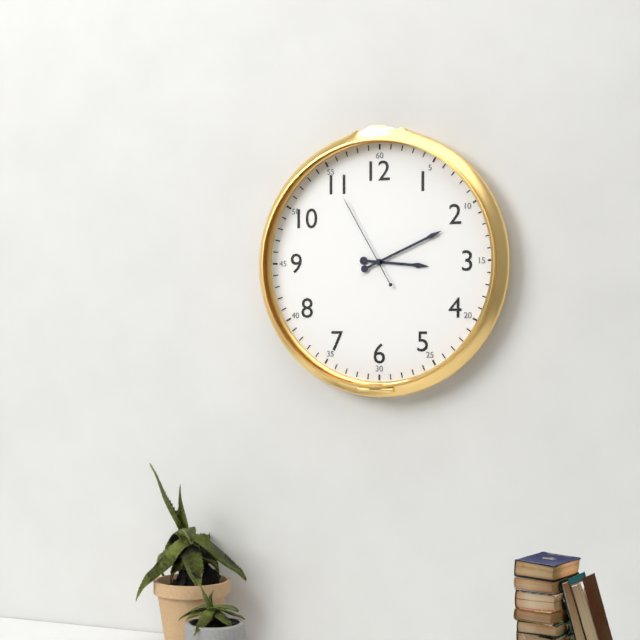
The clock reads h=3 m=11 s=55
